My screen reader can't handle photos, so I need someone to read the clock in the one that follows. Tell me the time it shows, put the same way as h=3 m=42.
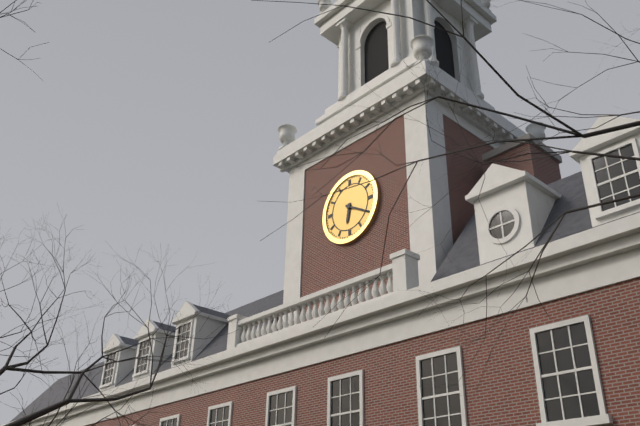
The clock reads h=6 m=20
